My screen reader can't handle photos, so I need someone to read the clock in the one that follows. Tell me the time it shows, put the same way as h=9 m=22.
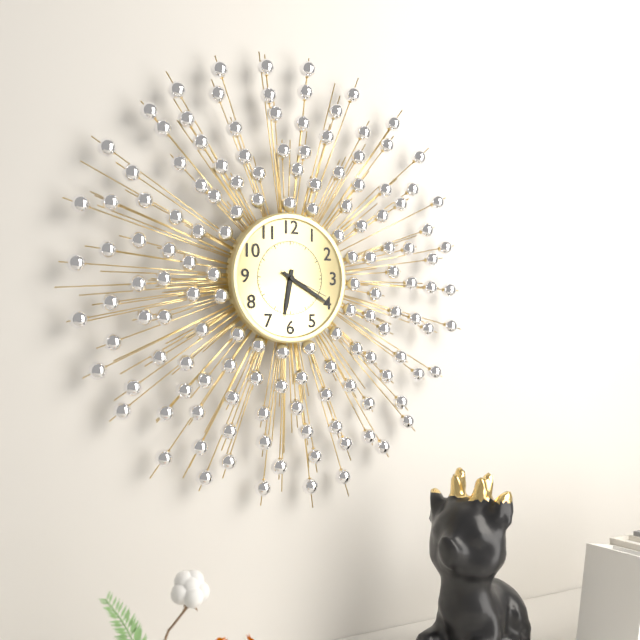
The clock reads h=6 m=20
